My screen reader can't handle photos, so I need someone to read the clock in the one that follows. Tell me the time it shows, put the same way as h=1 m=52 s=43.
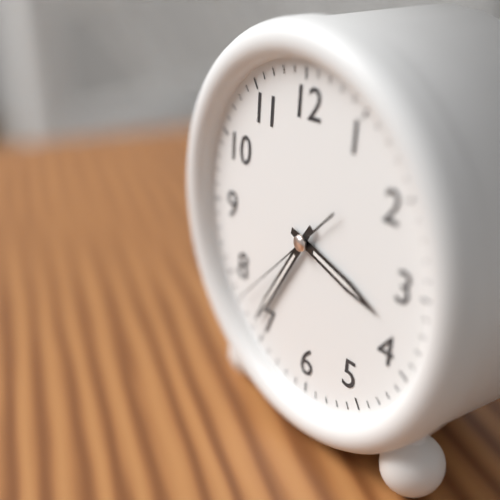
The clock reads h=3 m=36 s=38
